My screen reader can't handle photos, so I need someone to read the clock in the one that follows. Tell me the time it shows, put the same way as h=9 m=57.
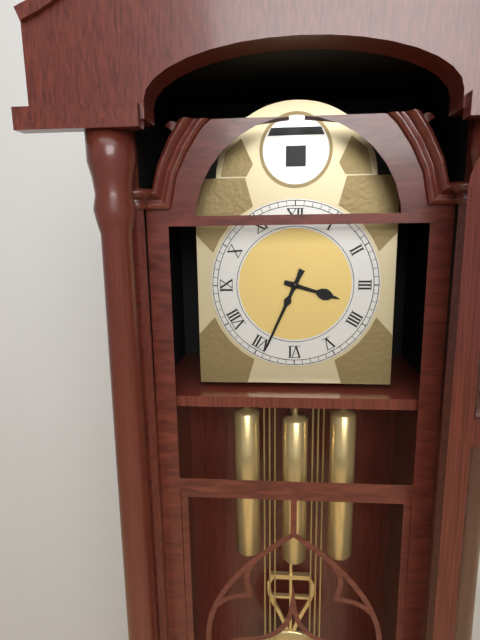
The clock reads h=3 m=34
